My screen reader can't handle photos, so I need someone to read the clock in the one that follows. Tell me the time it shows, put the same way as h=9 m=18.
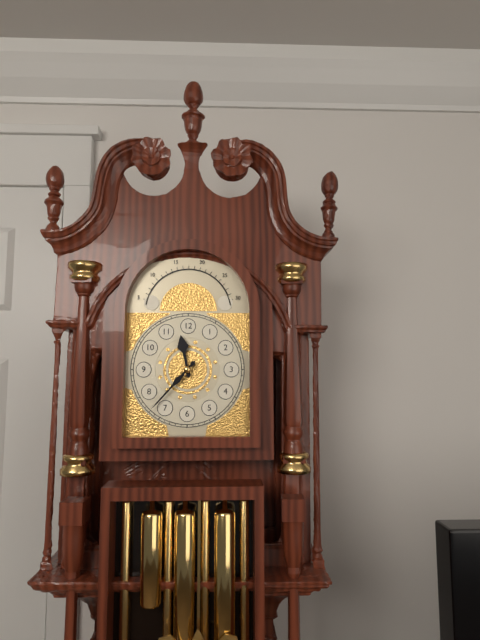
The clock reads h=11 m=37
